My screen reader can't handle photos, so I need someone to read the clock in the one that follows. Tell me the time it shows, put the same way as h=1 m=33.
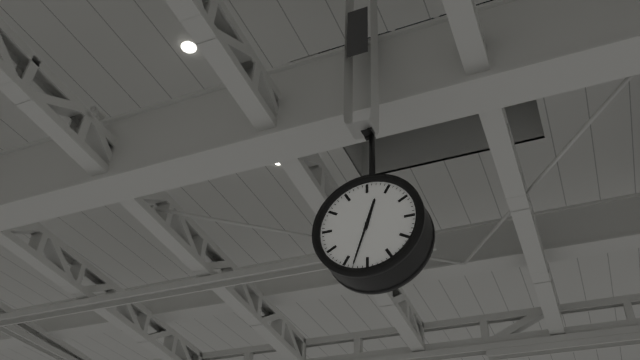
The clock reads h=12 m=33
